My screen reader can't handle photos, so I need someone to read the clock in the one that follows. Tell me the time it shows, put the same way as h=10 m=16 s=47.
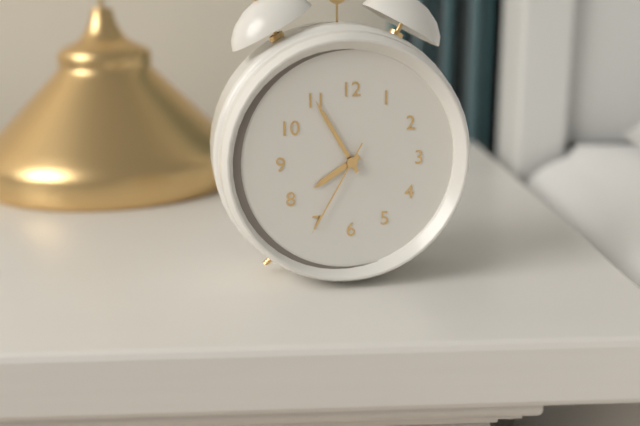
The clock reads h=7 m=55 s=35
